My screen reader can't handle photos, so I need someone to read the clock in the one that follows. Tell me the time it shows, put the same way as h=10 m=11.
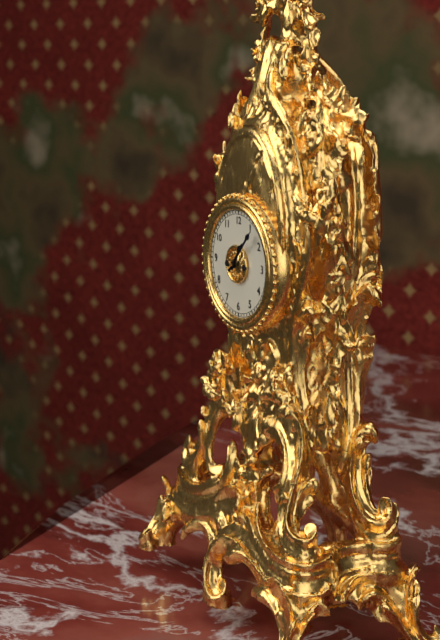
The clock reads h=1 m=7
